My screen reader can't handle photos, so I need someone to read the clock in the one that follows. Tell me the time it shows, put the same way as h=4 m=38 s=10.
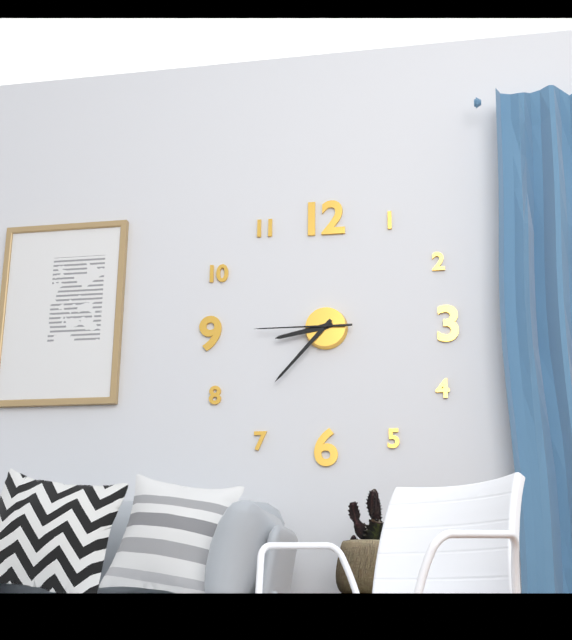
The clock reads h=8 m=37 s=45
